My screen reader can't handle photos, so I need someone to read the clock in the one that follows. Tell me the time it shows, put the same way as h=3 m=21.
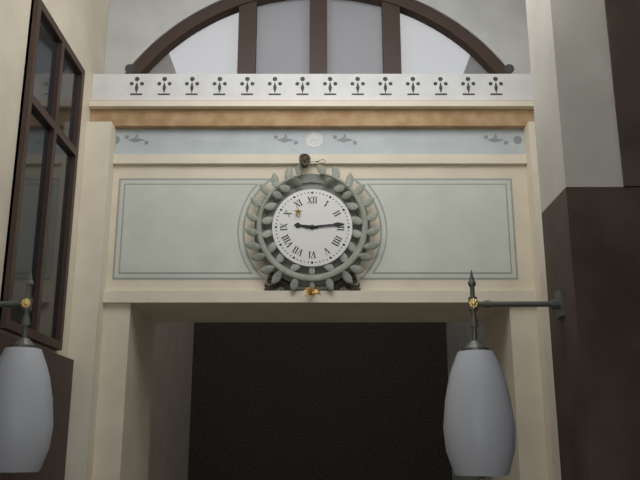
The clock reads h=9 m=14
